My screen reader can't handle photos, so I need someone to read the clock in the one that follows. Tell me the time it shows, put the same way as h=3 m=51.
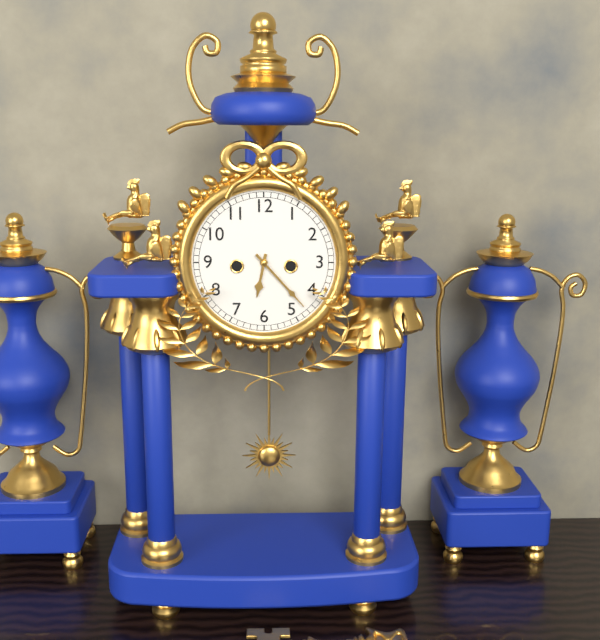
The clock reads h=6 m=23
